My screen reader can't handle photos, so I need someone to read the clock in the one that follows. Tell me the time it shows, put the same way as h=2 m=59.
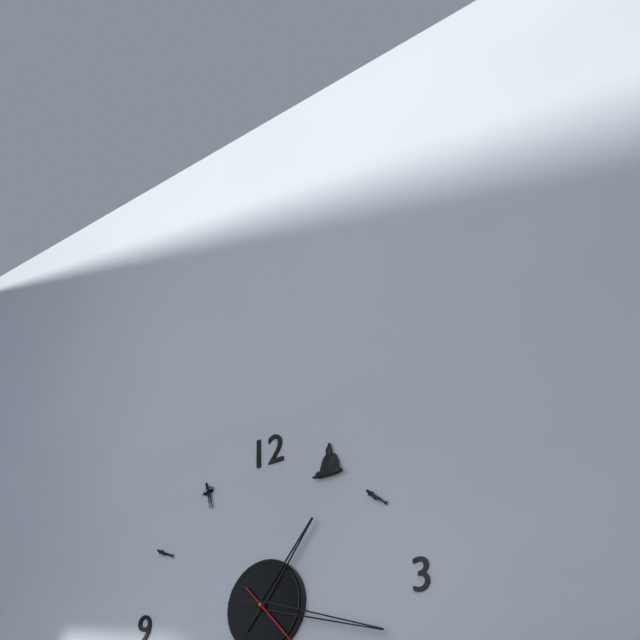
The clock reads h=1 m=18
